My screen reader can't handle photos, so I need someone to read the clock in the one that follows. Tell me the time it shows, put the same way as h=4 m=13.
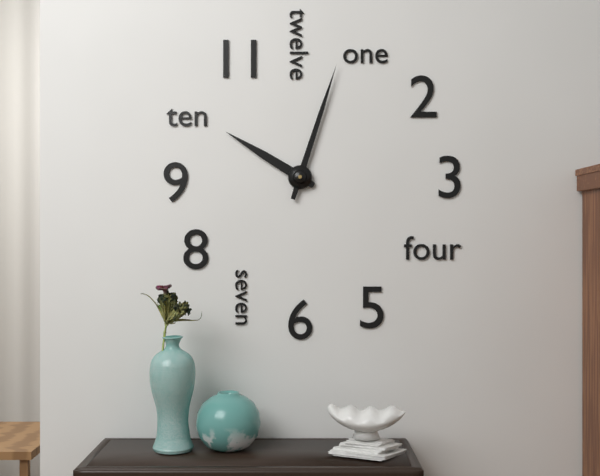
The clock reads h=10 m=3
